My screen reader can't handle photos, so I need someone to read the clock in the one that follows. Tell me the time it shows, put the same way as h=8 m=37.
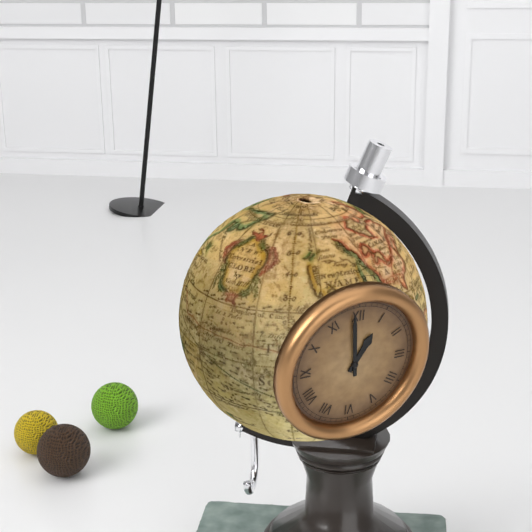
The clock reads h=12 m=59
